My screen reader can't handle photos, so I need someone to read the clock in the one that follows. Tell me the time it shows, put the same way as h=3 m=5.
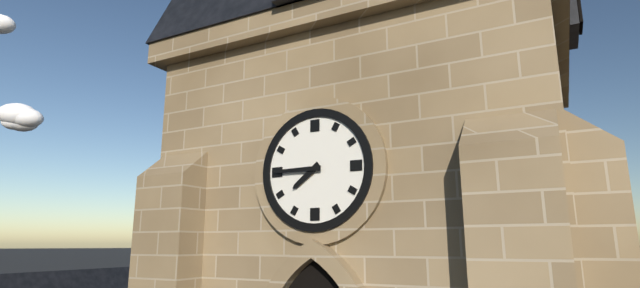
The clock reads h=7 m=45
